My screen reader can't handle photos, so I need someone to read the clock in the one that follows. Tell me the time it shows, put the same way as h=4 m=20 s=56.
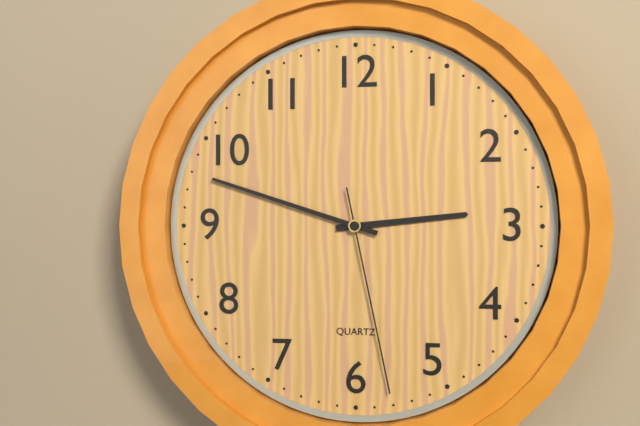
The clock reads h=2 m=48 s=28
